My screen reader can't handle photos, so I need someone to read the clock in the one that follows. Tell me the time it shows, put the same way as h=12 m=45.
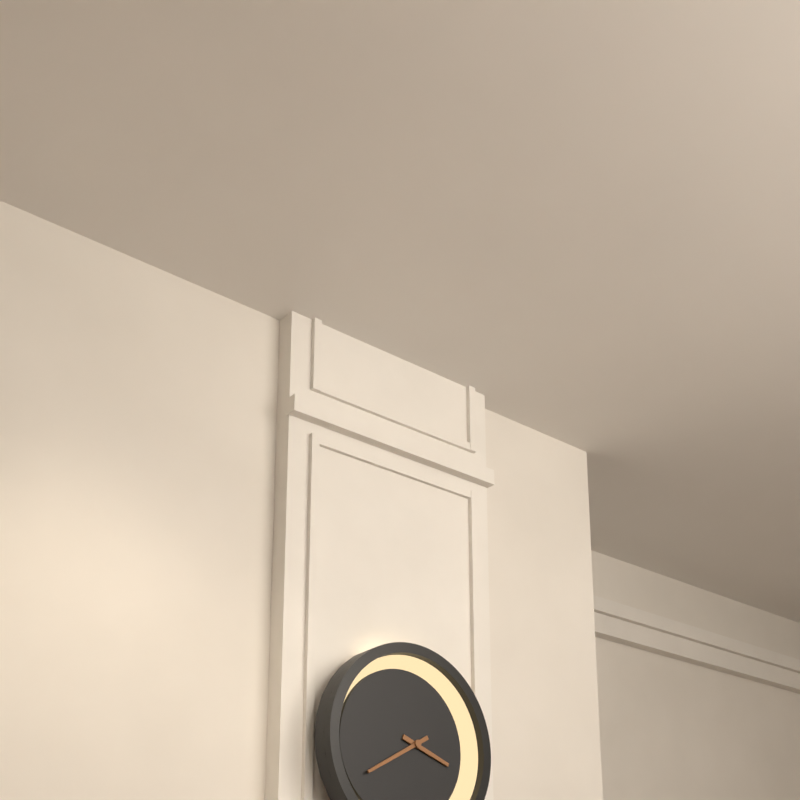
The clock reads h=3 m=40
